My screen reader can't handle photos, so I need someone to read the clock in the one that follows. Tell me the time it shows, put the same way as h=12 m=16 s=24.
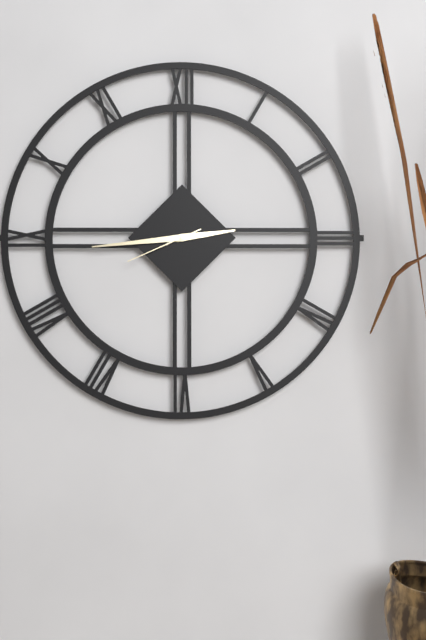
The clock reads h=2 m=44 s=41
